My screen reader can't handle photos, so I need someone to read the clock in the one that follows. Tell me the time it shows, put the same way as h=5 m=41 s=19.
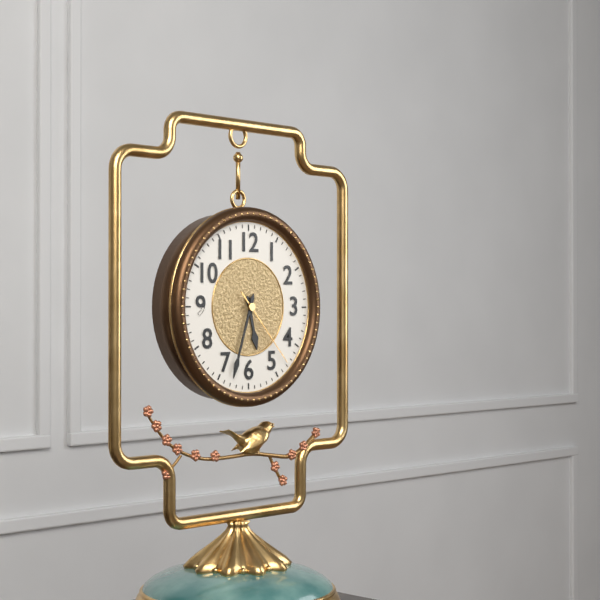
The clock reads h=5 m=33 s=23
